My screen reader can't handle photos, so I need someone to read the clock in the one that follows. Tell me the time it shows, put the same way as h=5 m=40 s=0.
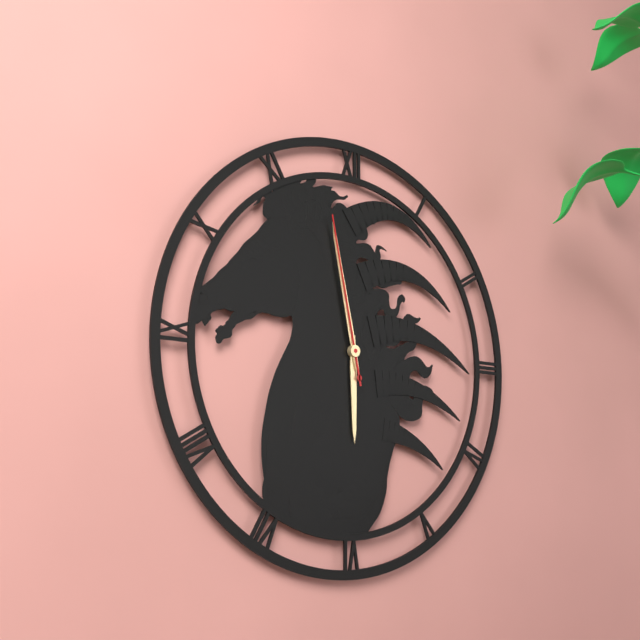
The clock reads h=5 m=58 s=58
